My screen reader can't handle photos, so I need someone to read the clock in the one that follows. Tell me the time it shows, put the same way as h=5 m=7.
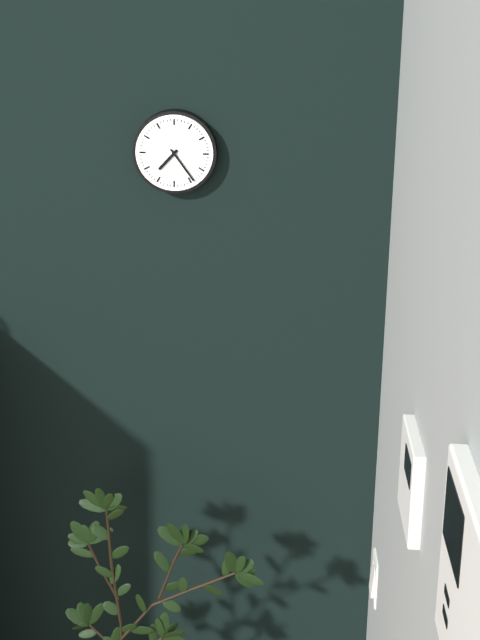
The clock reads h=7 m=24
